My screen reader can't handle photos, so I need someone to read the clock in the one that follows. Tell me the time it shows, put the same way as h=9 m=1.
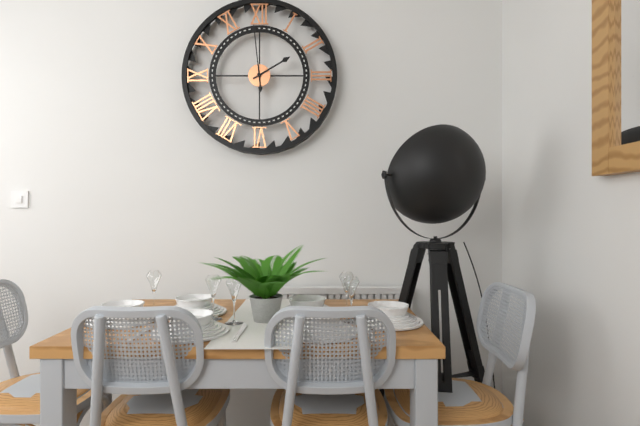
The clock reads h=1 m=59
